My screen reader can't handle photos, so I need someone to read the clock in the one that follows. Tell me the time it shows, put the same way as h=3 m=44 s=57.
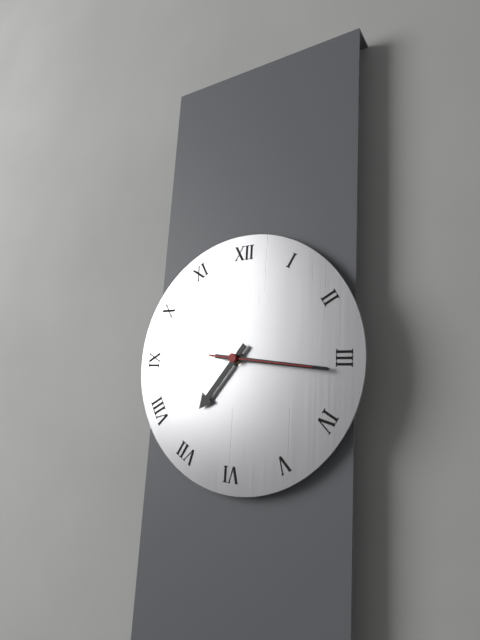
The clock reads h=7 m=16 s=16
